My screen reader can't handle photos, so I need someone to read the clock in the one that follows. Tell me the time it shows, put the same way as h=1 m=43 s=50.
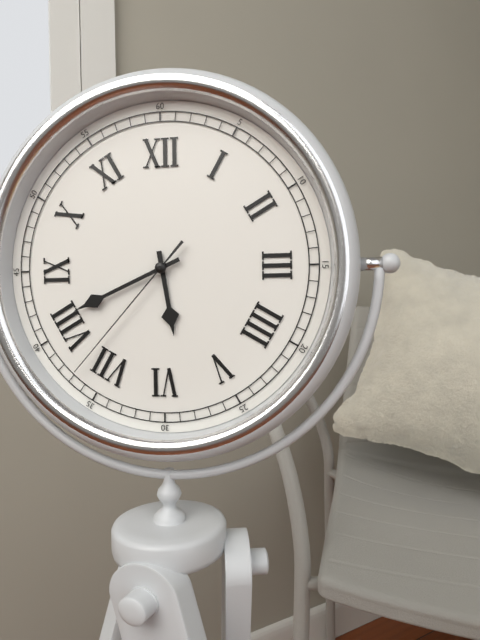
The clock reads h=5 m=41 s=37
